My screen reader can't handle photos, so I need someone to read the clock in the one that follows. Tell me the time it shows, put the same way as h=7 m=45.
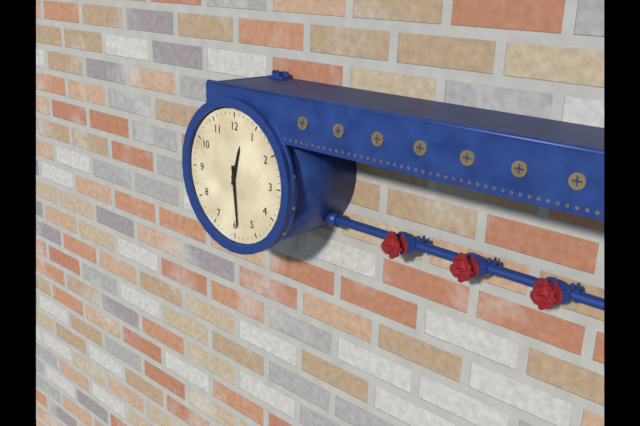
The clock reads h=12 m=29
